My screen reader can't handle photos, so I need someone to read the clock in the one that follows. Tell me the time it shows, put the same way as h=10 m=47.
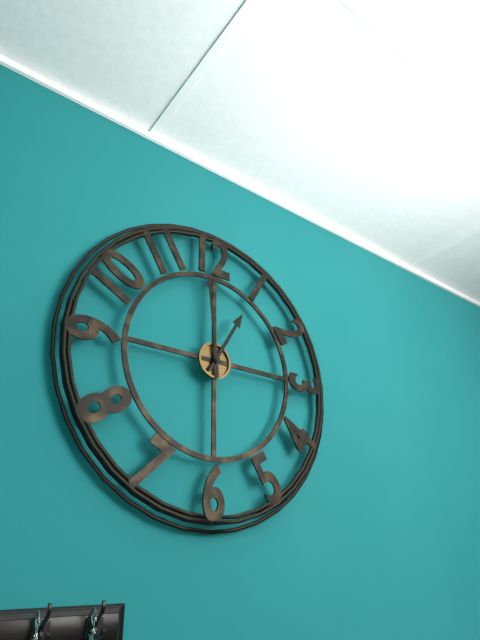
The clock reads h=12 m=59
